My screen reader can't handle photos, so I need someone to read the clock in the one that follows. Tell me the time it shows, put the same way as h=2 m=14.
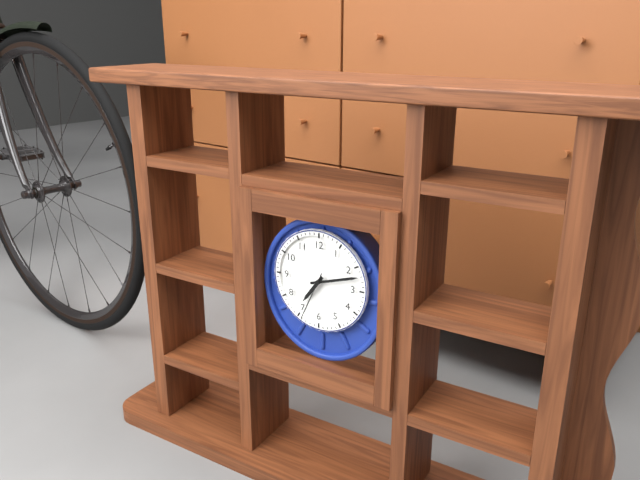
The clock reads h=7 m=12
